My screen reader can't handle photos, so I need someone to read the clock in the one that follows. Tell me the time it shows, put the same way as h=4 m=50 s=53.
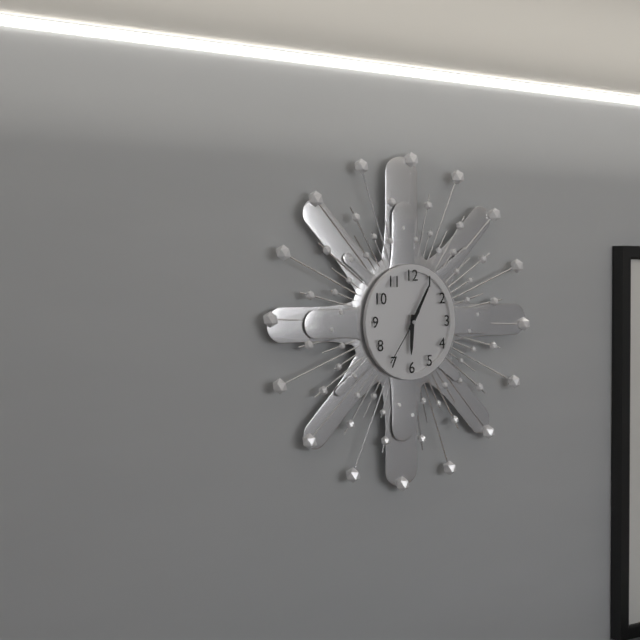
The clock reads h=6 m=5 s=36
